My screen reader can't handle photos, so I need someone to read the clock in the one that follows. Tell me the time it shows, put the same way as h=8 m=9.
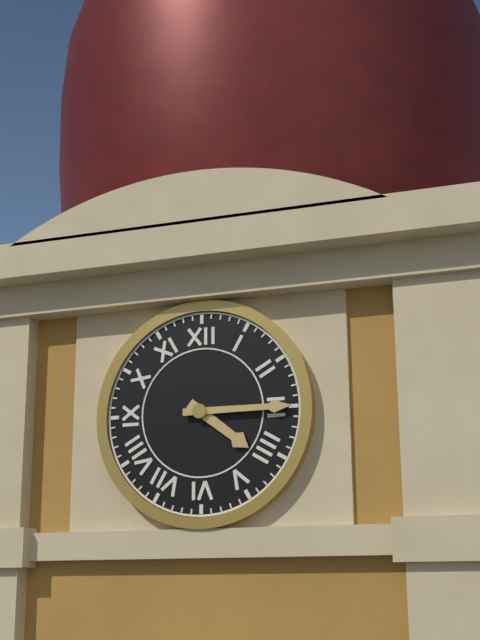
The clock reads h=4 m=15
